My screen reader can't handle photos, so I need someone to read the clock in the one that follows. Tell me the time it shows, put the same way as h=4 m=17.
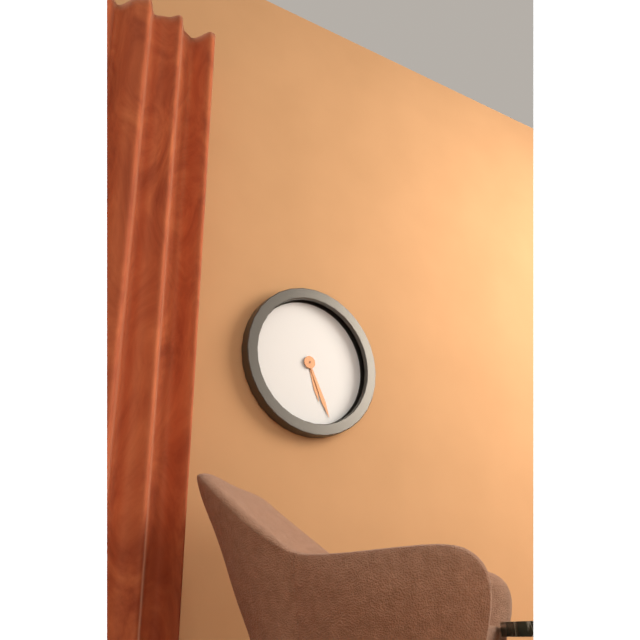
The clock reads h=5 m=26
